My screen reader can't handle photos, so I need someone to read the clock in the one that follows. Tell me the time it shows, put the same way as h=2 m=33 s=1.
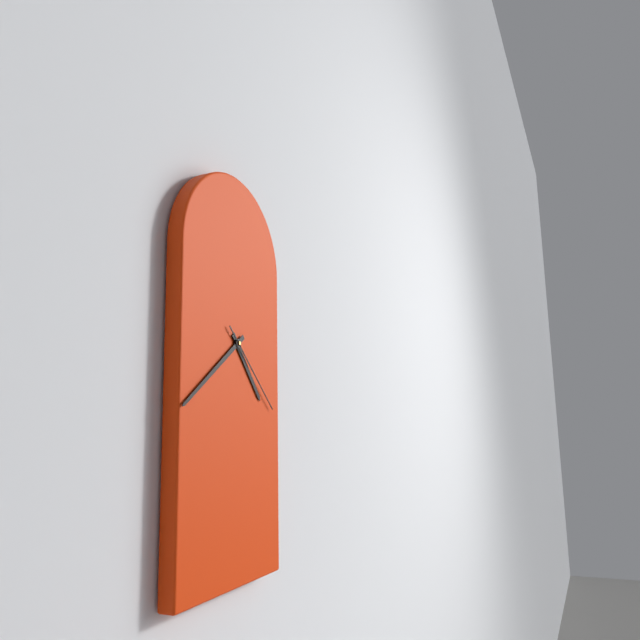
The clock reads h=4 m=39 s=22
